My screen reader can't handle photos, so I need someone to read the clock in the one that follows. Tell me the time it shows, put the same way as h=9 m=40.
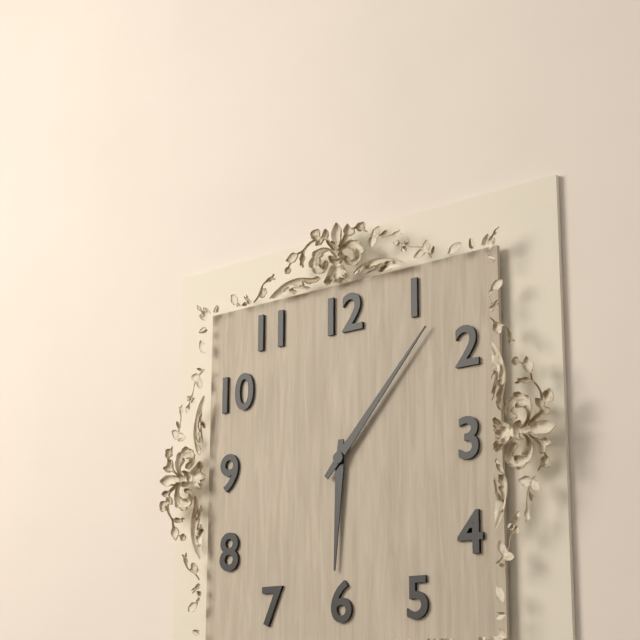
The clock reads h=6 m=7
